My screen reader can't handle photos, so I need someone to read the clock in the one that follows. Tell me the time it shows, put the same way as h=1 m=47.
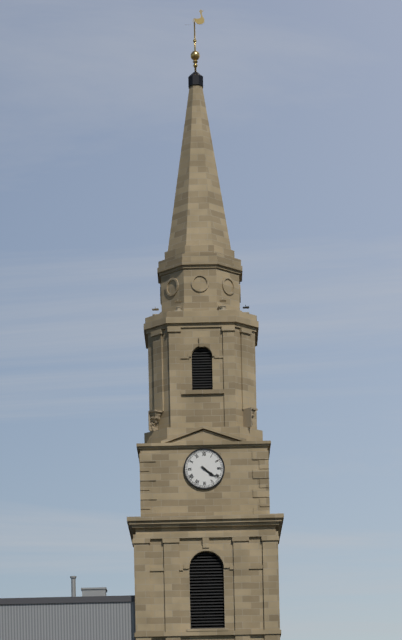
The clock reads h=4 m=21
